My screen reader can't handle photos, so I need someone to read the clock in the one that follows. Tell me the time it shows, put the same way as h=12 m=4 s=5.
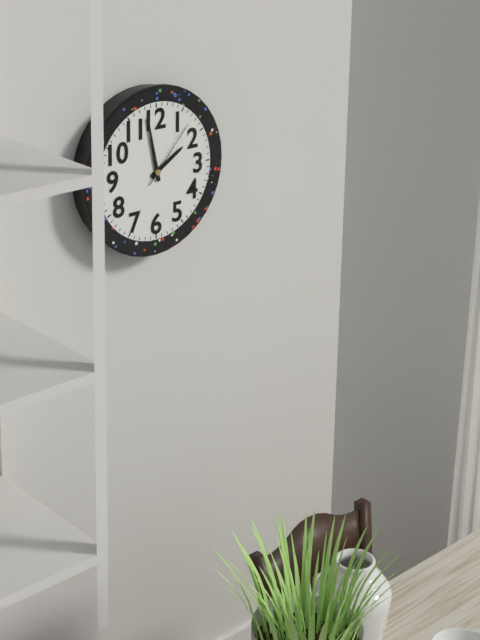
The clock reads h=1 m=58 s=7
